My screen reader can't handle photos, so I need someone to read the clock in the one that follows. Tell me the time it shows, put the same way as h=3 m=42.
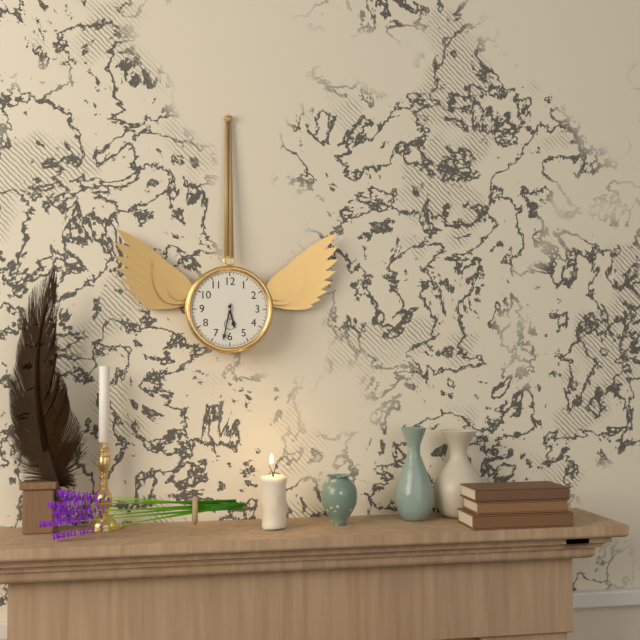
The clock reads h=5 m=32
